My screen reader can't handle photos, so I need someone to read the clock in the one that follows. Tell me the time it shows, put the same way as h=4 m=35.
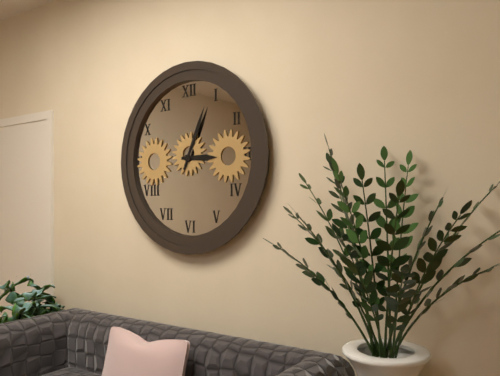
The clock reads h=3 m=4
